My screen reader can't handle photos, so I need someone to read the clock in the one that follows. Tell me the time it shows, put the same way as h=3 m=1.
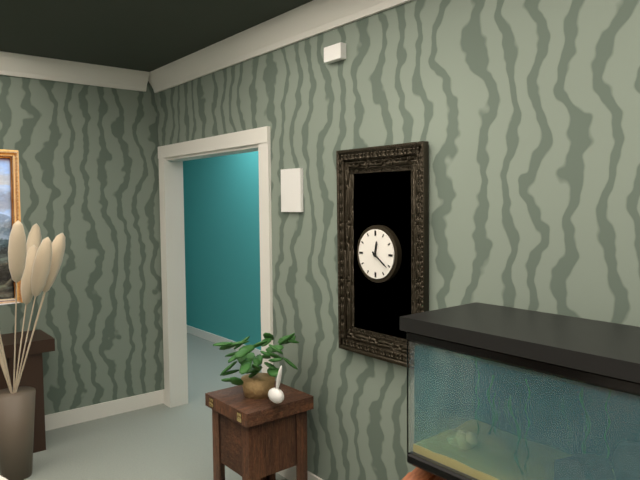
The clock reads h=12 m=21
